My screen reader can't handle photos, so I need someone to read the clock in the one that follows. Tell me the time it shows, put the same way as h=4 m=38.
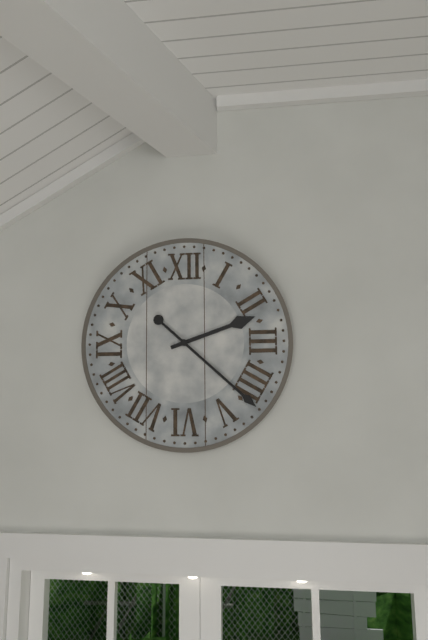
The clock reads h=2 m=22
